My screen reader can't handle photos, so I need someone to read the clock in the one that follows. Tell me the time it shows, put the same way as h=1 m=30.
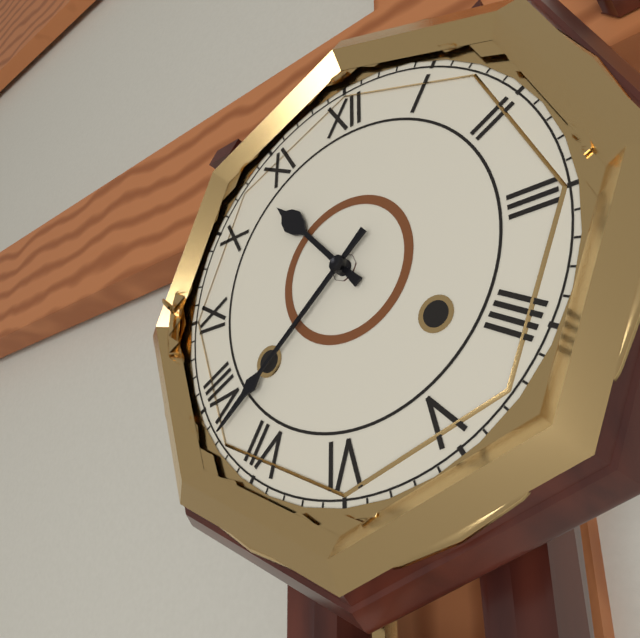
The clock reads h=10 m=38
